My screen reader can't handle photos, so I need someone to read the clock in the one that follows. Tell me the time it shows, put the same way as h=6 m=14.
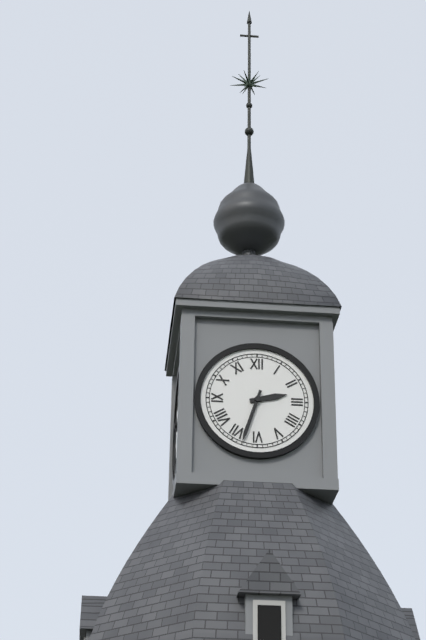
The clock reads h=2 m=33
